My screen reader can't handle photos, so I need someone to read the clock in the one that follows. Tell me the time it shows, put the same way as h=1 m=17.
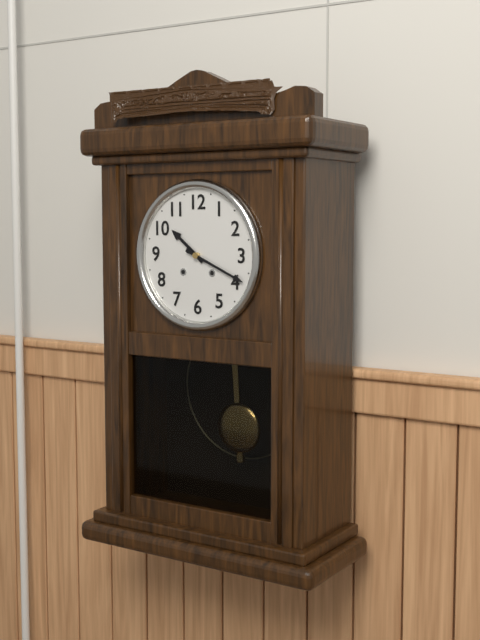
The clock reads h=10 m=19
